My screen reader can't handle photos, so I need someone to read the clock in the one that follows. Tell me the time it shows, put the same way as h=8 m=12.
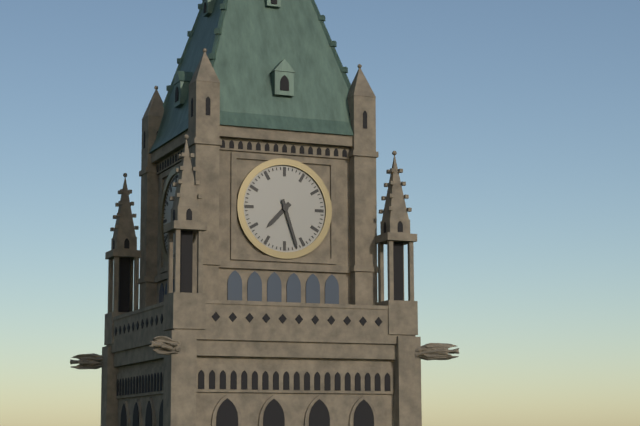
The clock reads h=7 m=27
